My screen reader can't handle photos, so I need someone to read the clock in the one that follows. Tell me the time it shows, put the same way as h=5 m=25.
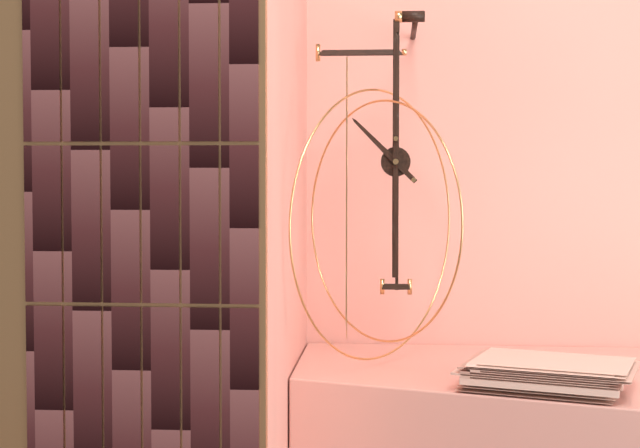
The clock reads h=10 m=30
